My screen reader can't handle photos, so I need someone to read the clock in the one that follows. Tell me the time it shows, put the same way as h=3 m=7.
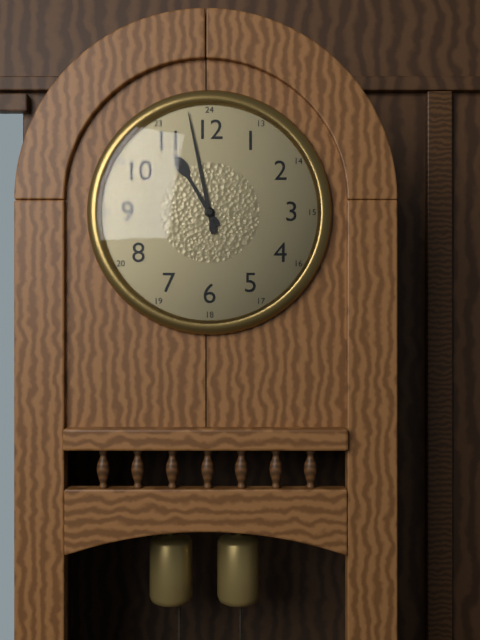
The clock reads h=10 m=58
